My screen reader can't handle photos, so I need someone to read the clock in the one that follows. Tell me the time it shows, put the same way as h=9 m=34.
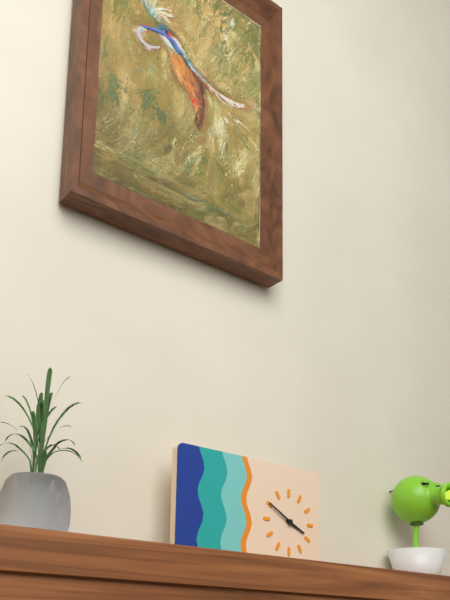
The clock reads h=3 m=50
